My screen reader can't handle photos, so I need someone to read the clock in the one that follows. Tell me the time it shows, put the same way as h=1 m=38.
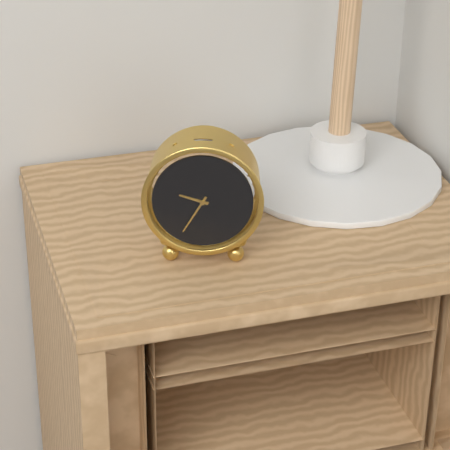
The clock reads h=9 m=35
